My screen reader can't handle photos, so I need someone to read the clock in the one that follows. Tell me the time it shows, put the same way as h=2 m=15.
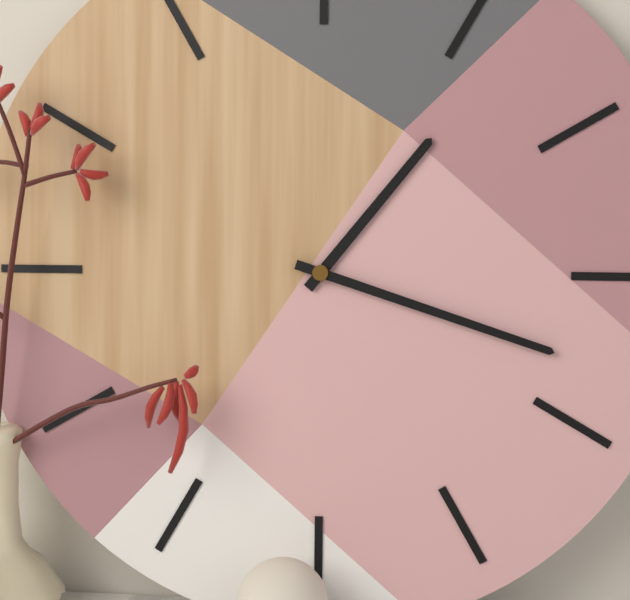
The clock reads h=1 m=18
